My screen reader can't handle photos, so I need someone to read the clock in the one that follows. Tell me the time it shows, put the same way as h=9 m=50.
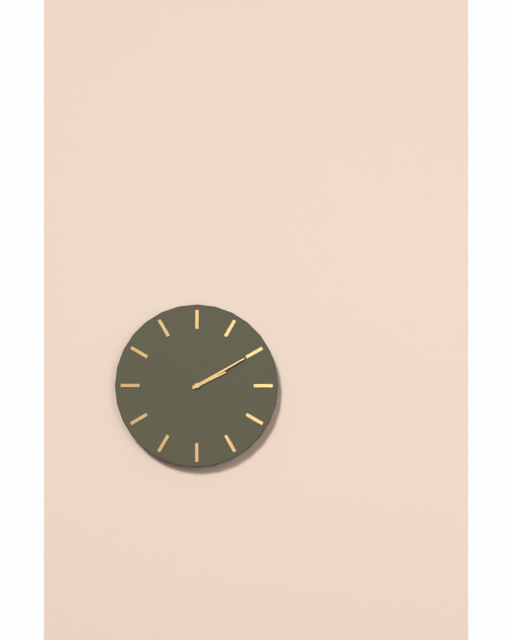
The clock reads h=2 m=10
